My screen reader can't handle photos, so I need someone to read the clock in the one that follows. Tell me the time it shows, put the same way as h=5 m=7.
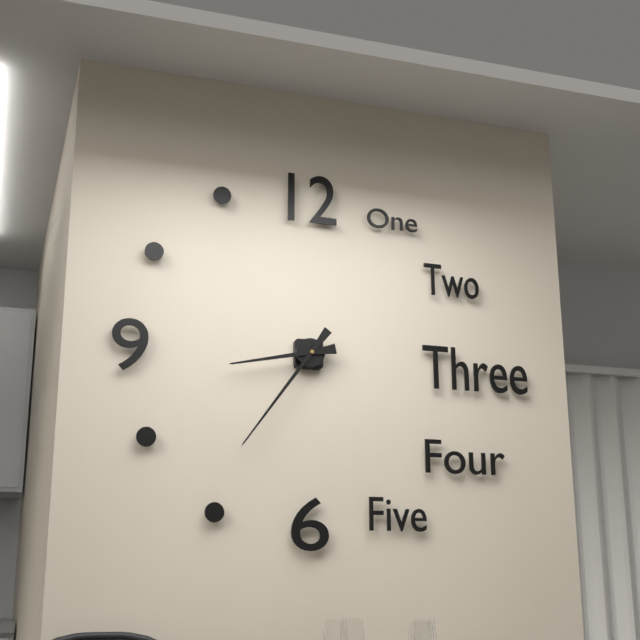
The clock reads h=8 m=36
